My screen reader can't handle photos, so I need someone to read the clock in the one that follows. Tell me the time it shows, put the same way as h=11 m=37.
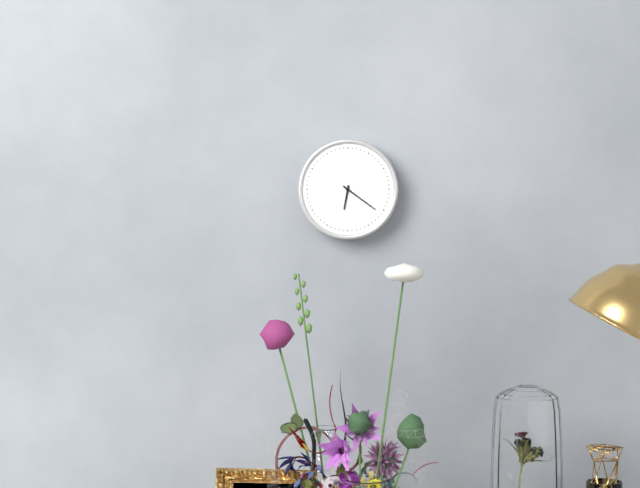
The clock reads h=6 m=21
